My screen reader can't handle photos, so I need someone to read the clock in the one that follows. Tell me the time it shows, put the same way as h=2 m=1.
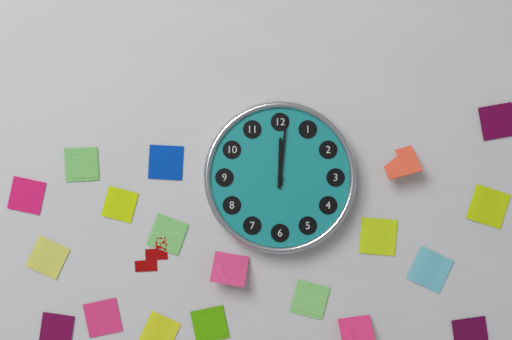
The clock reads h=12 m=1
